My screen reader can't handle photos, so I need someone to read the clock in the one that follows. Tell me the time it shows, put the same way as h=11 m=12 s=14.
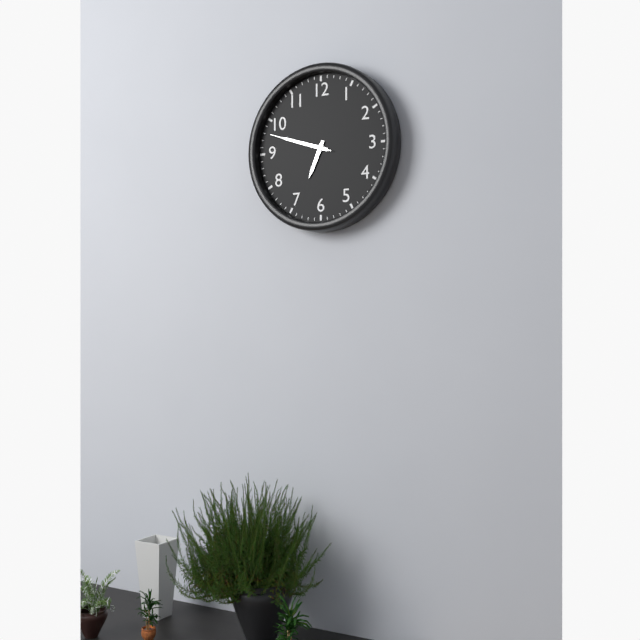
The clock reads h=6 m=48 s=48
